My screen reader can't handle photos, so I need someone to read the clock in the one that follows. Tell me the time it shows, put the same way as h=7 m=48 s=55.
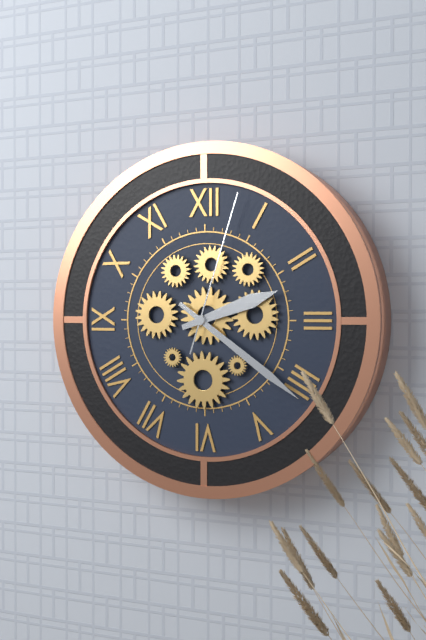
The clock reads h=2 m=21 s=3
